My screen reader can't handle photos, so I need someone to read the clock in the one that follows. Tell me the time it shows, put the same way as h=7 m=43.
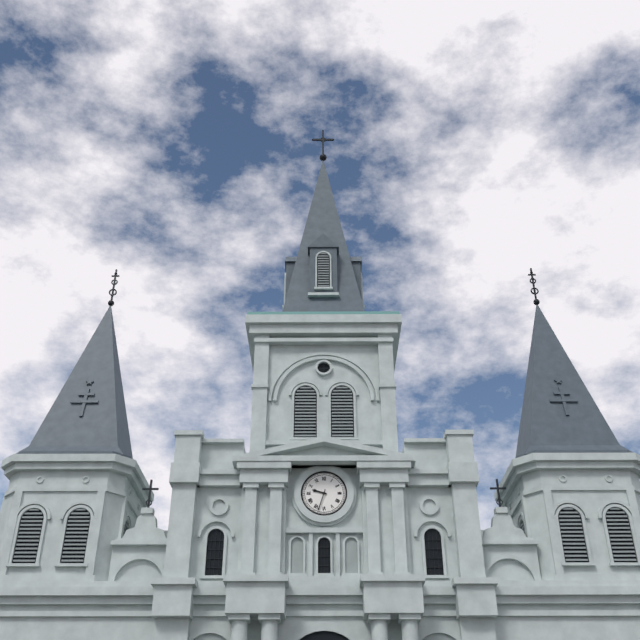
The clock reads h=9 m=33
